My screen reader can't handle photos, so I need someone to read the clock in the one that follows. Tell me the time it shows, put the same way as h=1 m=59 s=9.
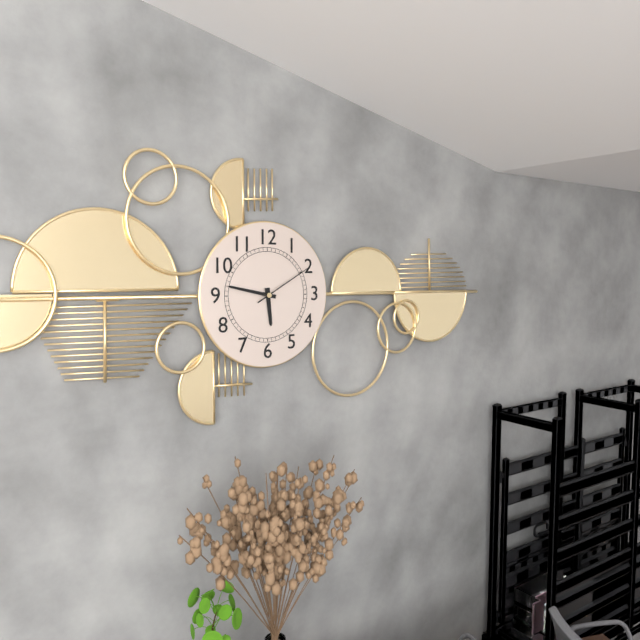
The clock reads h=5 m=47 s=10
